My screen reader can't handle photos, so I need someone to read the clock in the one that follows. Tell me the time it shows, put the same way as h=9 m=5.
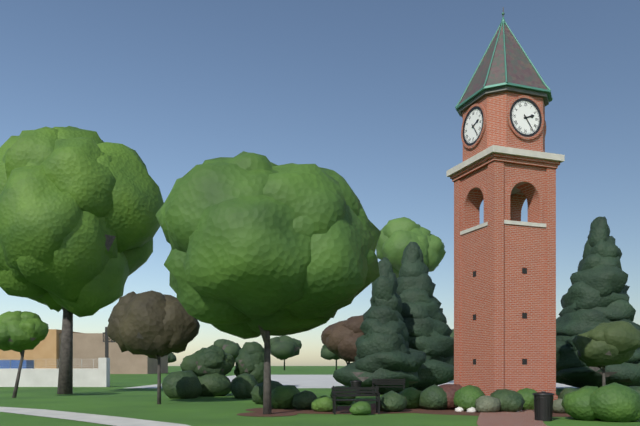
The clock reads h=2 m=24
